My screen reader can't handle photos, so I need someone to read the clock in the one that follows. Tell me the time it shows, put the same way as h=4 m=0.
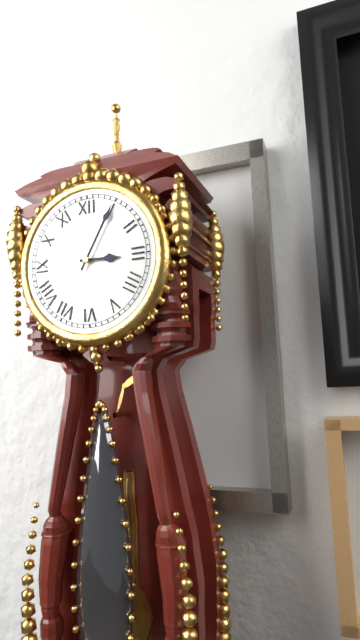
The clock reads h=3 m=5
